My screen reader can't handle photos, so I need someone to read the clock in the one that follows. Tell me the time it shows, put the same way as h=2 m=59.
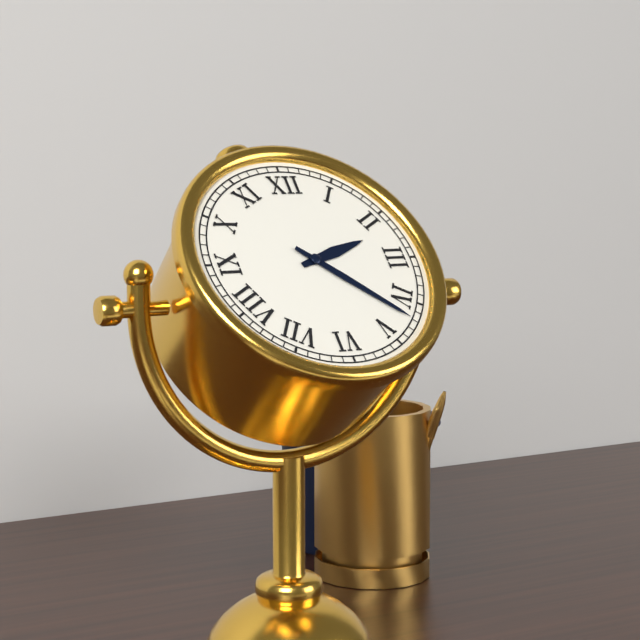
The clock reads h=2 m=22
